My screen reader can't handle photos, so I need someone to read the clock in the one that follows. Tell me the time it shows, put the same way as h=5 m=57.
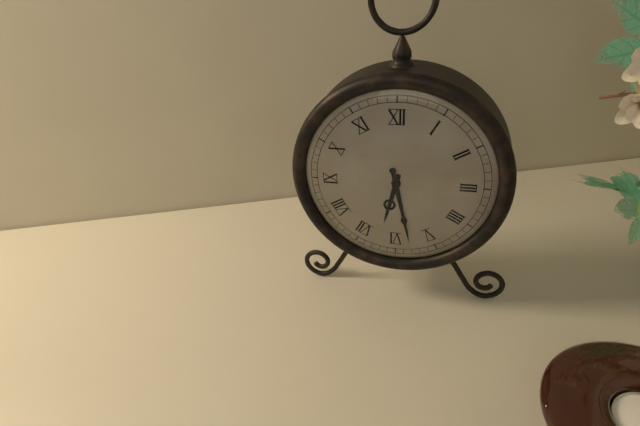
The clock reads h=6 m=28
